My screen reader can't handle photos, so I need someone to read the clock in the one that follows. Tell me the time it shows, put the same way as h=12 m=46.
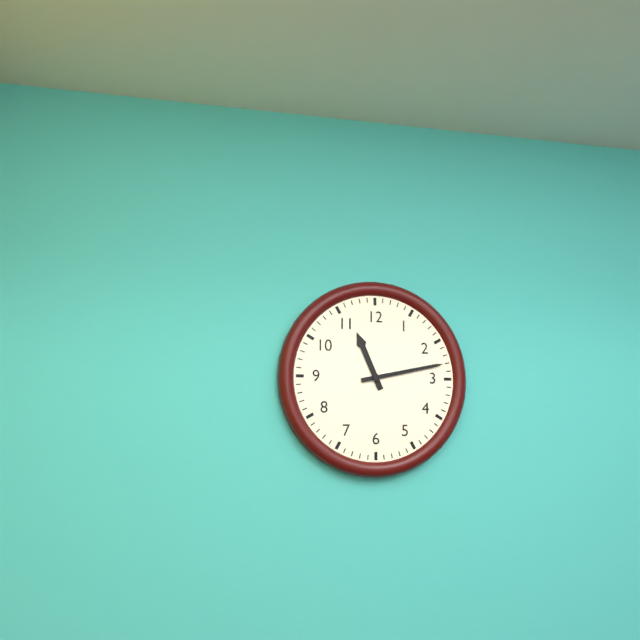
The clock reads h=11 m=13
